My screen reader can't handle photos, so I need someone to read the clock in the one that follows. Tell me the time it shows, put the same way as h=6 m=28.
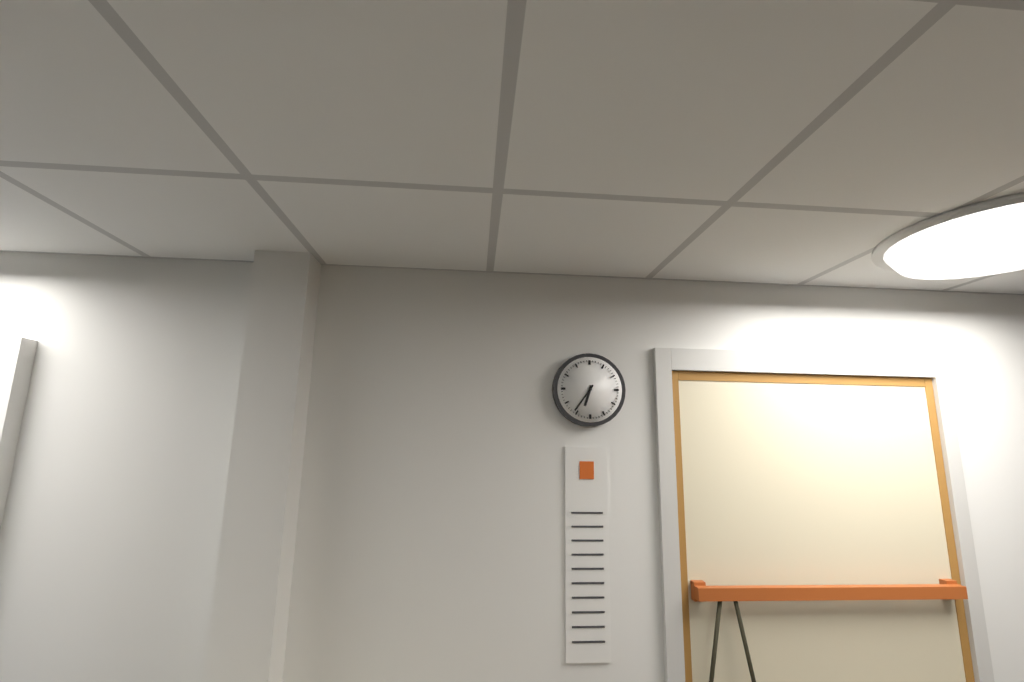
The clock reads h=6 m=36
